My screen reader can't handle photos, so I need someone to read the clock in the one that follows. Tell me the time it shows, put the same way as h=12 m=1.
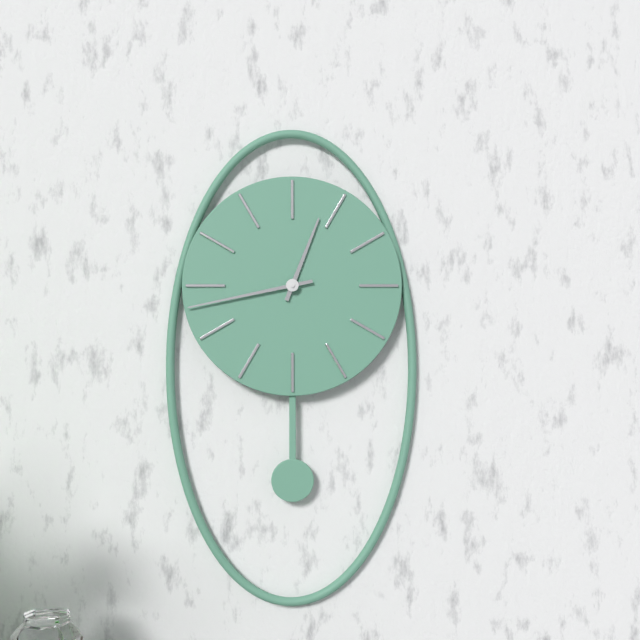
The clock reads h=12 m=43
